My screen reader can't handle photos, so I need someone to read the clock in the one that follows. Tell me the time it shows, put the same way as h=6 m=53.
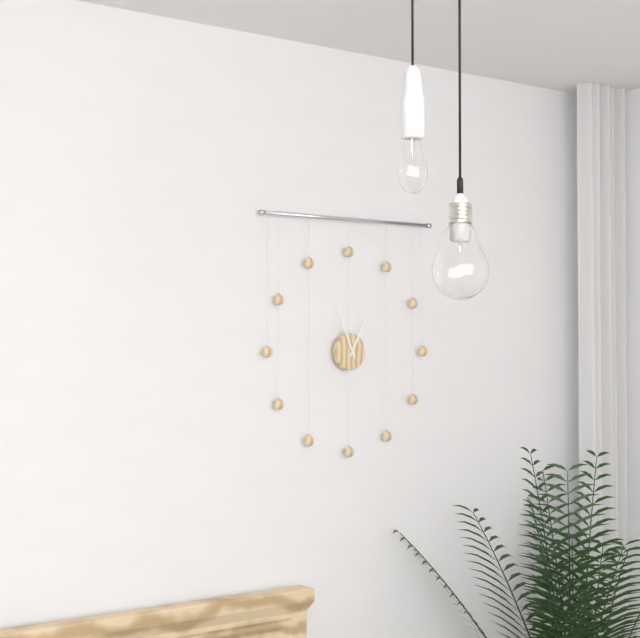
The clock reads h=12 m=56
